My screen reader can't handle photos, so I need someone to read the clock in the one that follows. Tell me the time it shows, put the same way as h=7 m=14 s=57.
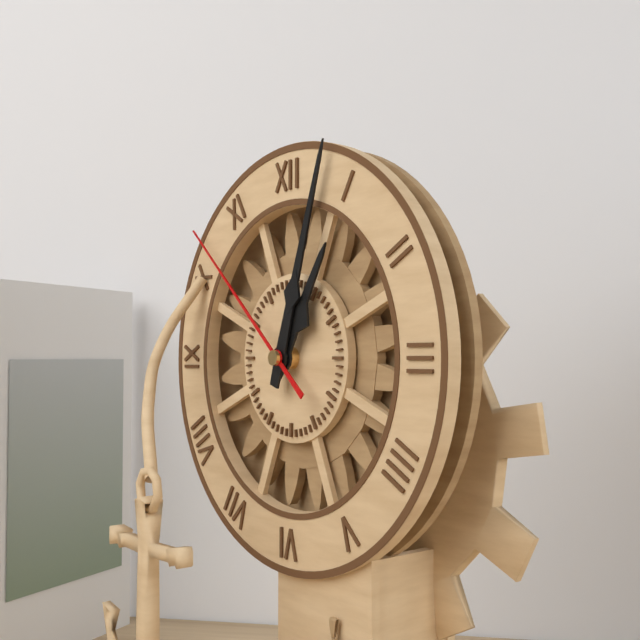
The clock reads h=1 m=3 s=52
